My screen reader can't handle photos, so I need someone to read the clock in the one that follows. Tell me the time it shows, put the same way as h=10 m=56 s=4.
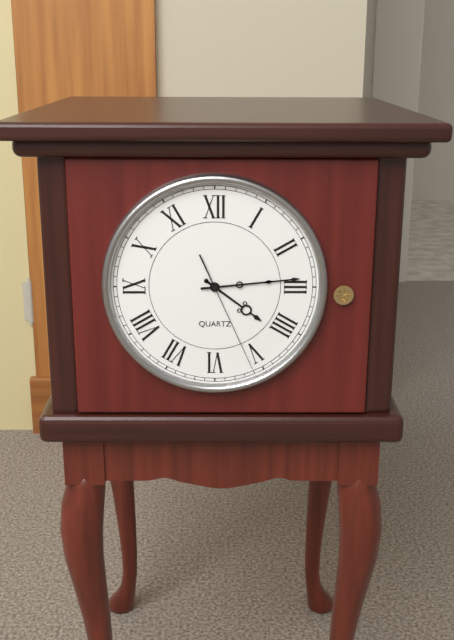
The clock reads h=4 m=14 s=26
